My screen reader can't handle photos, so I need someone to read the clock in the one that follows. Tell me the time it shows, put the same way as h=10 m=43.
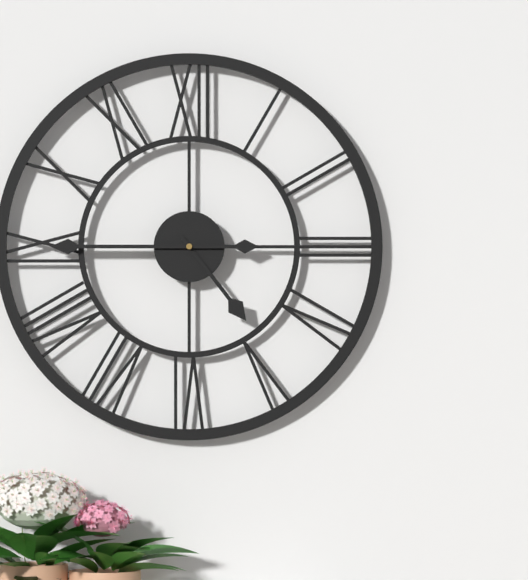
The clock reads h=4 m=45
